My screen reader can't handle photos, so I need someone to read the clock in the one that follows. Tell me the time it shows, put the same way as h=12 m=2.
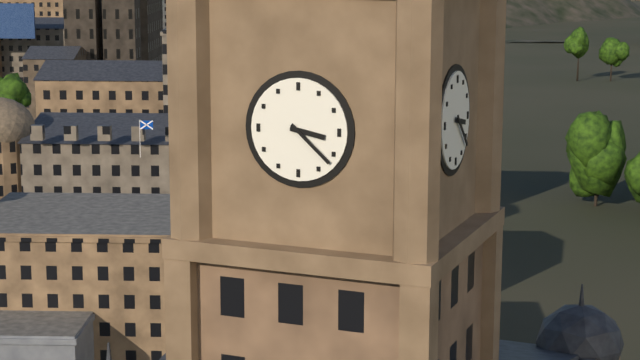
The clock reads h=3 m=22
